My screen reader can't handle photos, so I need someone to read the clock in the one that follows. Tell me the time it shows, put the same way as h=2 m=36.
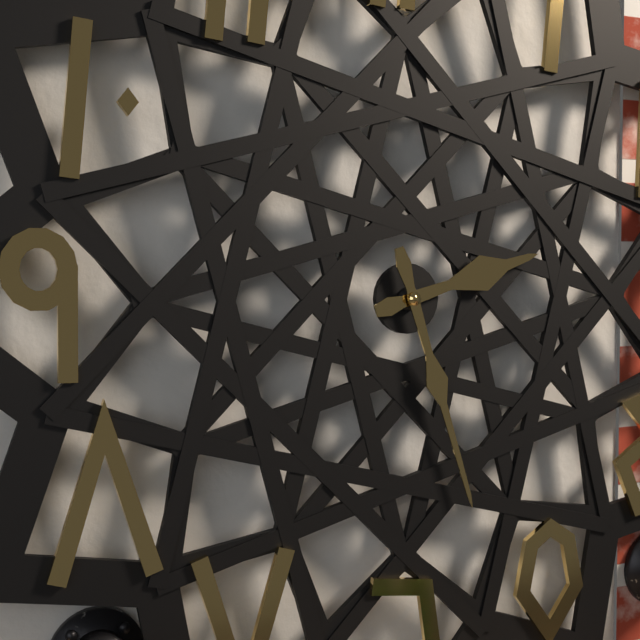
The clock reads h=2 m=27
